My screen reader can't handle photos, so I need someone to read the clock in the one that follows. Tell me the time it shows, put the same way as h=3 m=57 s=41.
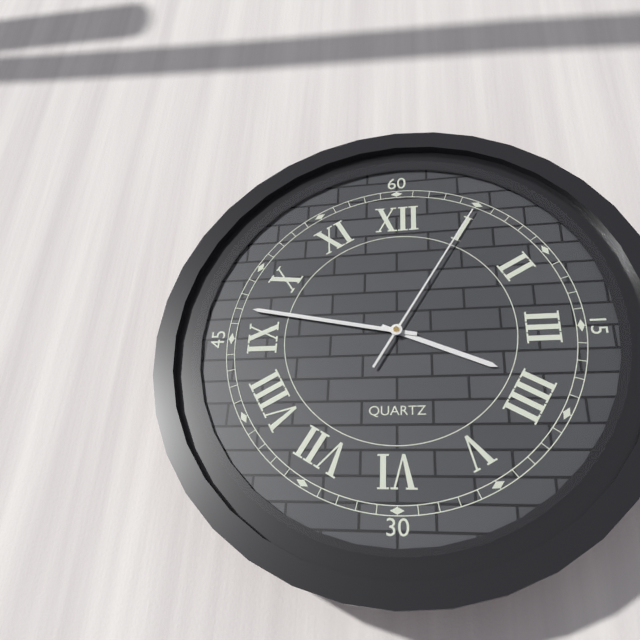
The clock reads h=3 m=47 s=5
